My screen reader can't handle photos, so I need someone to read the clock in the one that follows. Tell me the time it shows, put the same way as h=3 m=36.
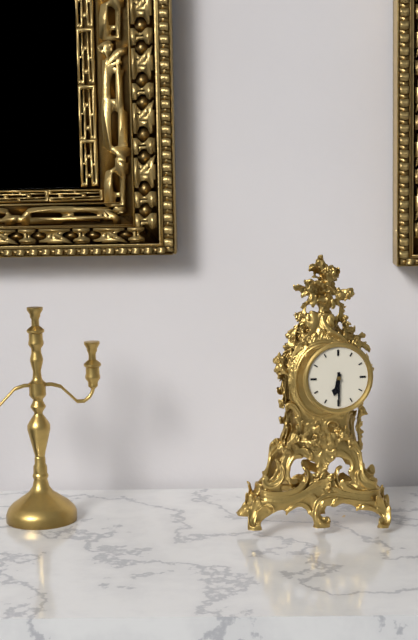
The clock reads h=6 m=30
